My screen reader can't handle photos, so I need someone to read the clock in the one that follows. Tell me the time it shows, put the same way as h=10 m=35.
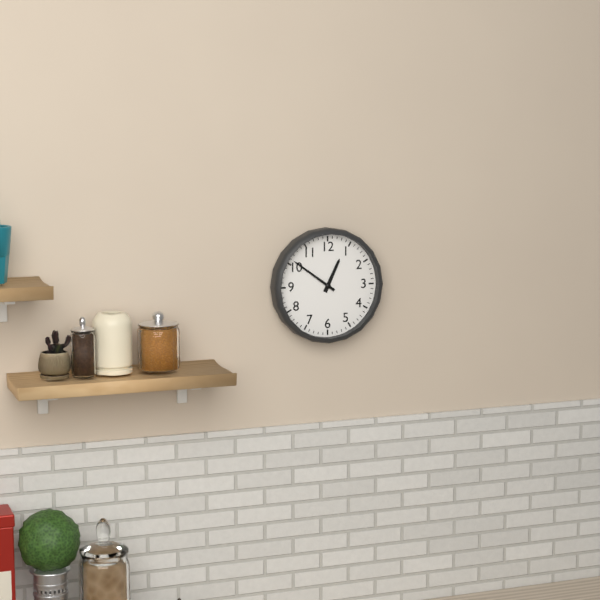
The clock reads h=12 m=51
